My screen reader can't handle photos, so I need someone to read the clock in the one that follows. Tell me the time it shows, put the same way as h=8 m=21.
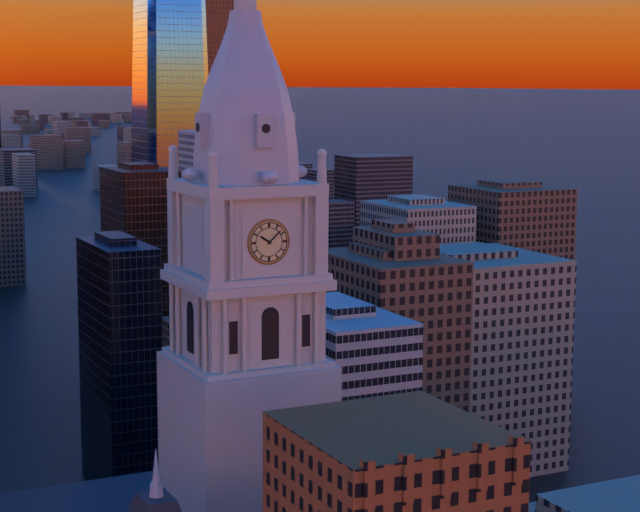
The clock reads h=10 m=8
